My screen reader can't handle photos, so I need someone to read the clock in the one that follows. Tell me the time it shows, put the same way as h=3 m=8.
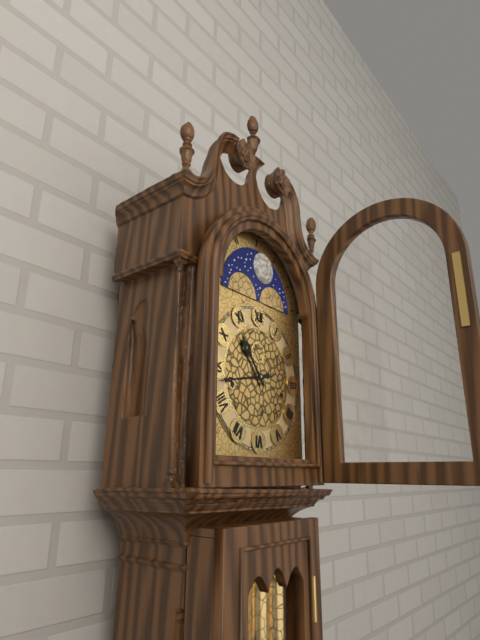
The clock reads h=10 m=43
